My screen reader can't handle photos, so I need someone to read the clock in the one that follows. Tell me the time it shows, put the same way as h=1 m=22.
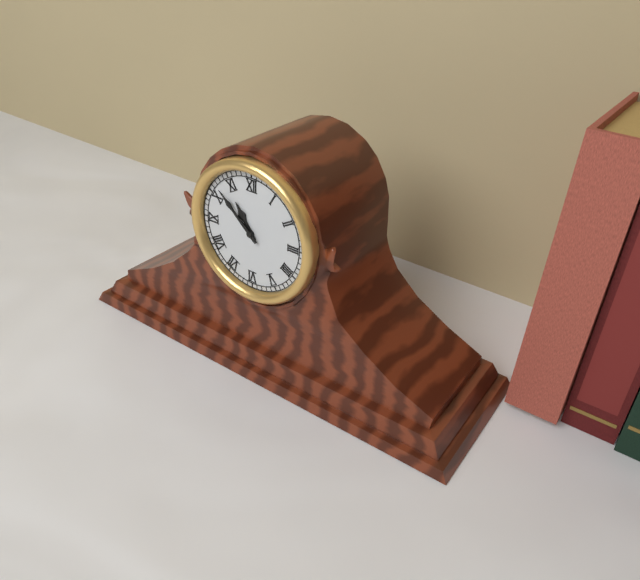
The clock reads h=10 m=52
